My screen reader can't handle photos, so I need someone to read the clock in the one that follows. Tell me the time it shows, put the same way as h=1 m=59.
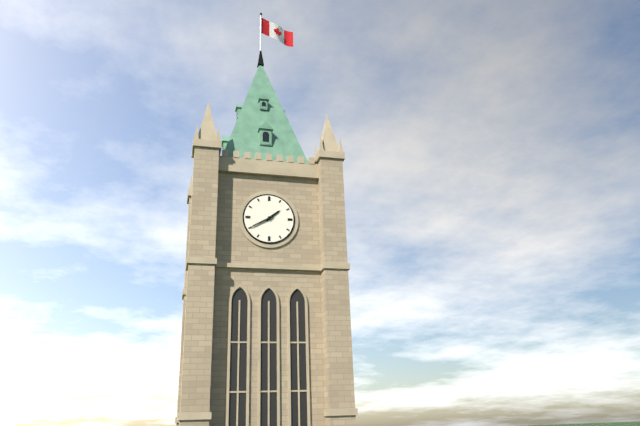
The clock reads h=1 m=40
